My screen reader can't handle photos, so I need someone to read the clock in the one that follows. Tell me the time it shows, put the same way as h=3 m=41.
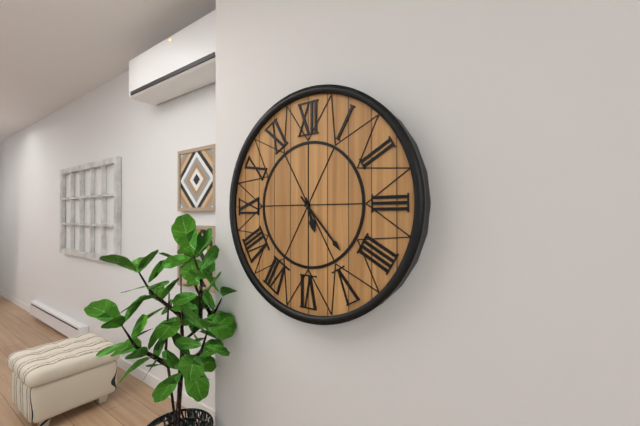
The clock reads h=5 m=23
